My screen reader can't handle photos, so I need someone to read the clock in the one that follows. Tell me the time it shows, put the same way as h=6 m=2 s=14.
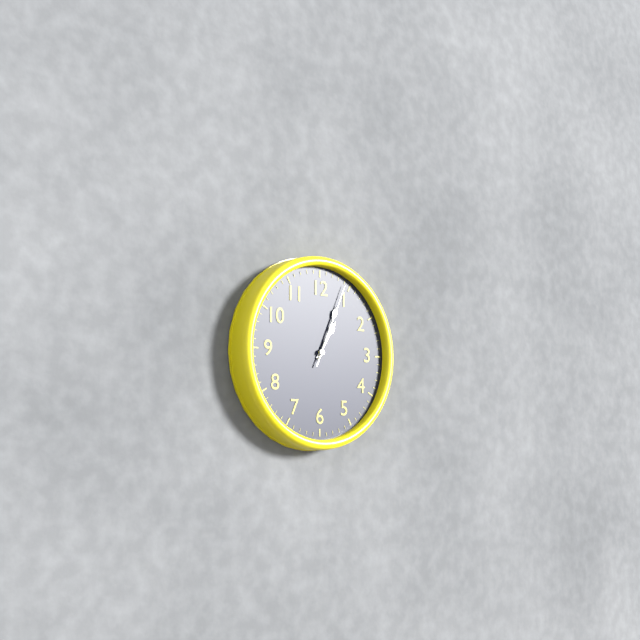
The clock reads h=1 m=4 s=4
